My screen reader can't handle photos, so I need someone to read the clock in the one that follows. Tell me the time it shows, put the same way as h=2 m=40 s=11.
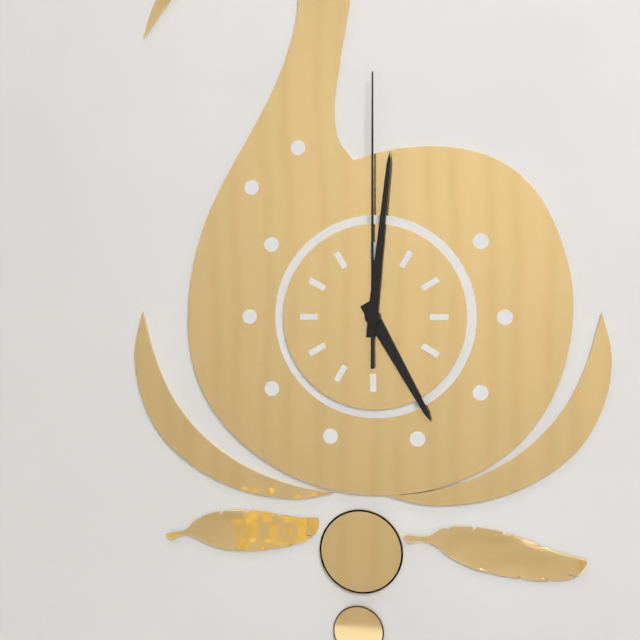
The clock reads h=5 m=1 s=0
